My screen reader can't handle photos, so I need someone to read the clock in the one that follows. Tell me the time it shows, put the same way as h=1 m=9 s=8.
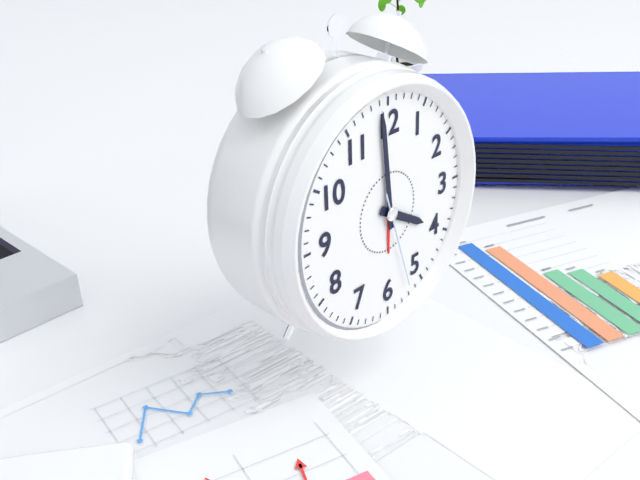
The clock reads h=3 m=59 s=27
